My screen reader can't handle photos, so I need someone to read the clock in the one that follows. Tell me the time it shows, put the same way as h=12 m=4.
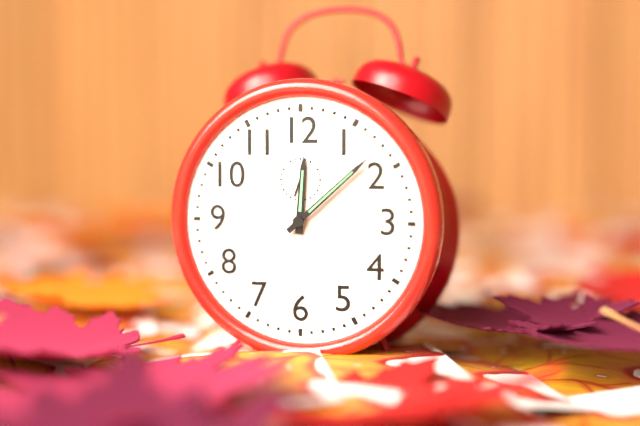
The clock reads h=12 m=8
